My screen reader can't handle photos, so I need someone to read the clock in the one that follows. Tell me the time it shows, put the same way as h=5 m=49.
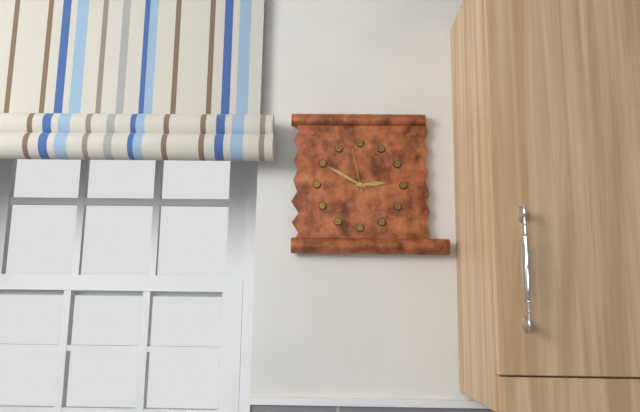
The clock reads h=2 m=50
